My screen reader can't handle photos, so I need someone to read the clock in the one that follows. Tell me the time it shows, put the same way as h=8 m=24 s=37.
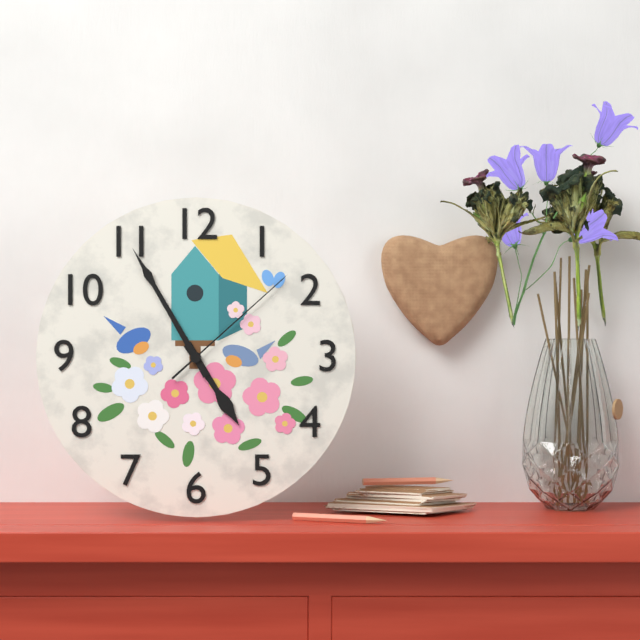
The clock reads h=4 m=55 s=8
